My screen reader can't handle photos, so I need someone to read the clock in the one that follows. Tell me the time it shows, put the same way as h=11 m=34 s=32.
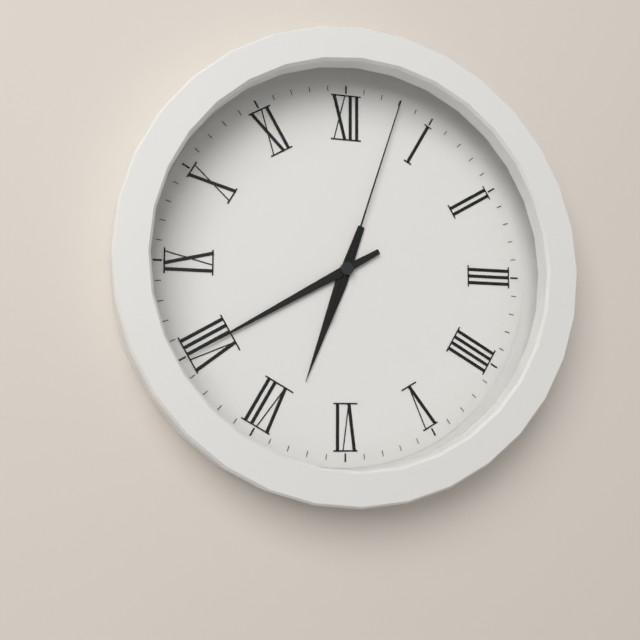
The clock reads h=6 m=40 s=3
